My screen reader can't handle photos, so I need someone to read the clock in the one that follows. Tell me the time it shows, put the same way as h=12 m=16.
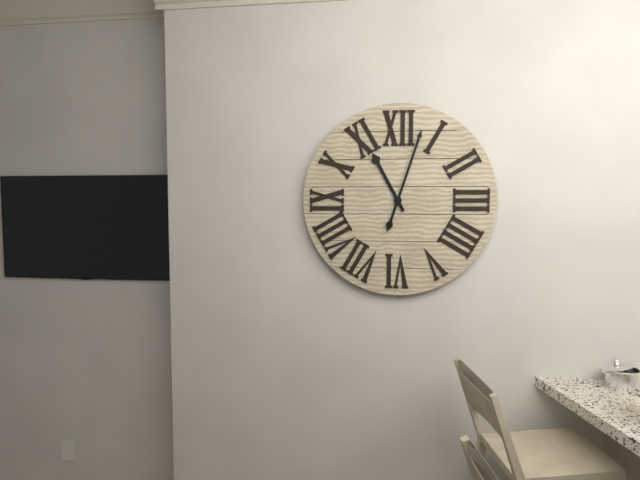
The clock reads h=11 m=3
